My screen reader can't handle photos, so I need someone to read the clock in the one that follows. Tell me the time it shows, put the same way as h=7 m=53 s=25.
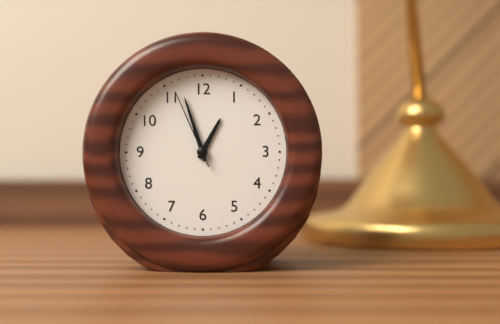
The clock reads h=12 m=57 s=56
